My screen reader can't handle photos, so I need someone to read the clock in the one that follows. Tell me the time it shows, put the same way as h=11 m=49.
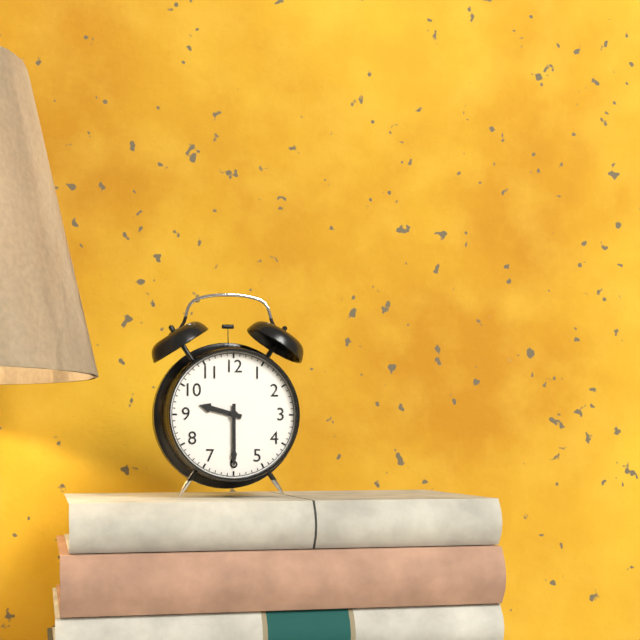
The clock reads h=9 m=30
